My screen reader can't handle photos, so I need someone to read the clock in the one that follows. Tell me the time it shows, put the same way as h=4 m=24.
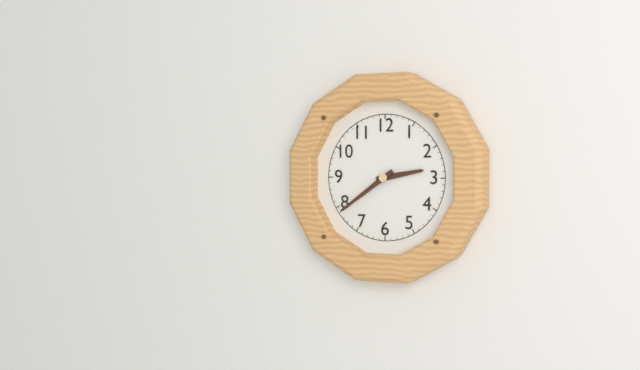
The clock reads h=2 m=39
